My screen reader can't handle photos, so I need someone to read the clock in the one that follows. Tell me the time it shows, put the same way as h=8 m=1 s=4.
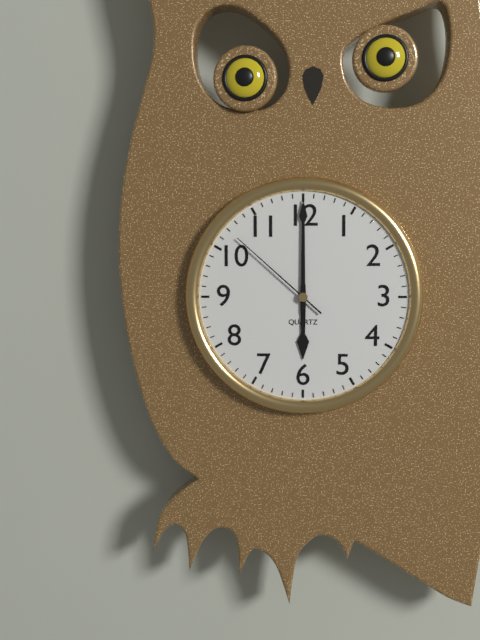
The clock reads h=6 m=0 s=52
